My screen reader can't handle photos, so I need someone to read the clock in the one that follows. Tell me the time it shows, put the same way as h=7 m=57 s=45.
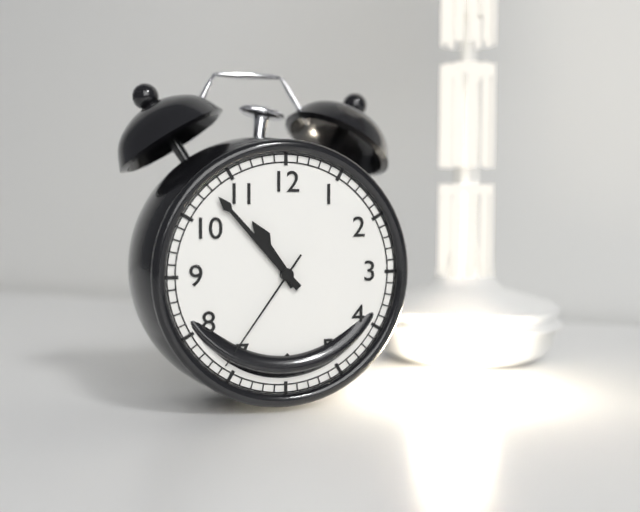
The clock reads h=10 m=53 s=36
